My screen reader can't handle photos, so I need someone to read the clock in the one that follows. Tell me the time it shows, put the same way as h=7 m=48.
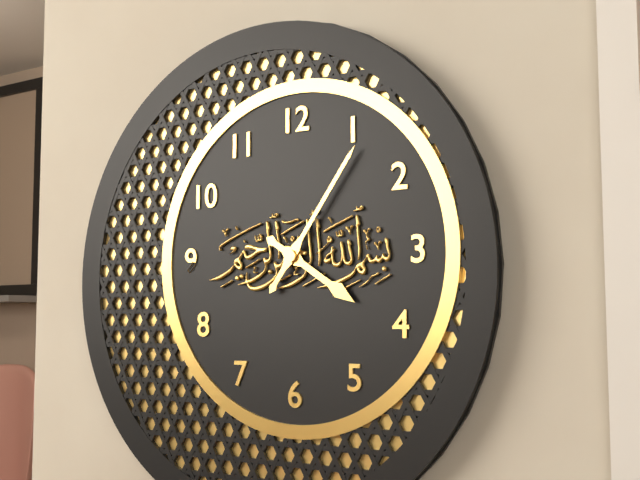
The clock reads h=4 m=6
